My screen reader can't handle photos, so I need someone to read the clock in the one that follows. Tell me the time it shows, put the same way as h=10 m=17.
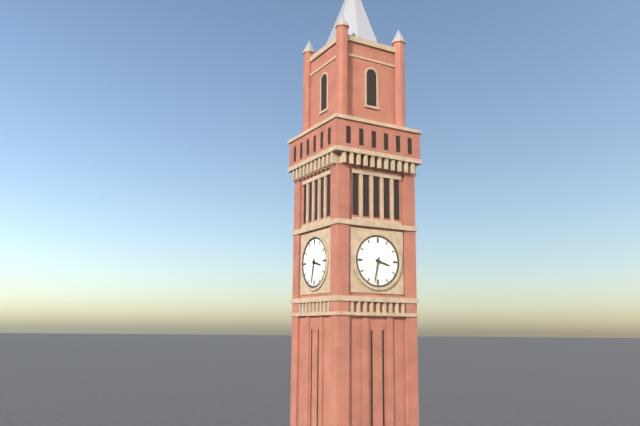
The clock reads h=3 m=32
